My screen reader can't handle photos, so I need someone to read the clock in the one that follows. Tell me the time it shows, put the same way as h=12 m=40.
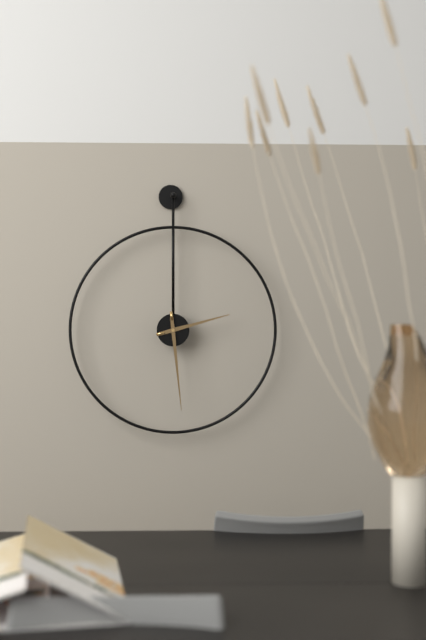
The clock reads h=2 m=29
